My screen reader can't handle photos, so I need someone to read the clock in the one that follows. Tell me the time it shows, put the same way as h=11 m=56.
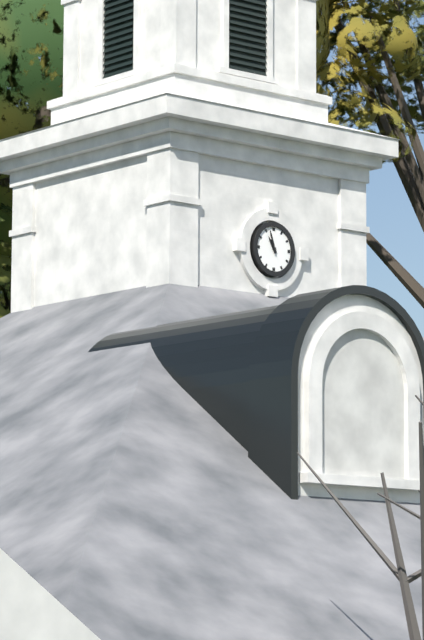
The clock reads h=10 m=57
